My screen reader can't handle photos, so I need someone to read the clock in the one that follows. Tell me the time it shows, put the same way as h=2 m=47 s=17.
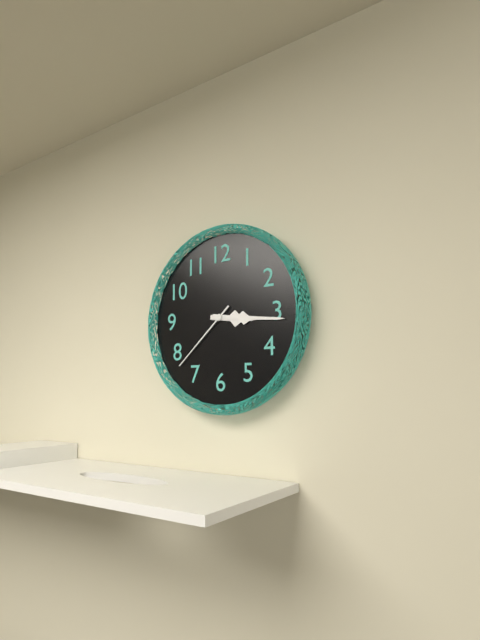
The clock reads h=3 m=16 s=38
